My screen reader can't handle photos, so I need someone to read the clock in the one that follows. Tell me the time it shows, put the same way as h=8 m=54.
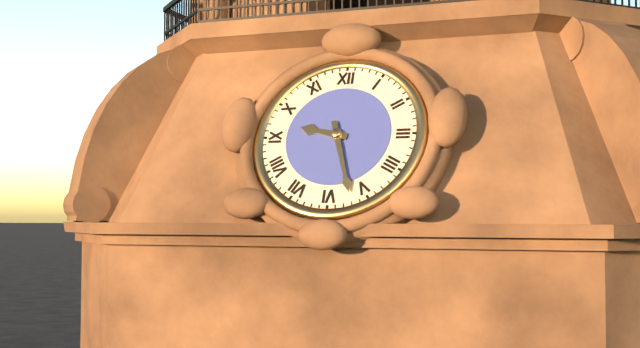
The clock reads h=9 m=27
